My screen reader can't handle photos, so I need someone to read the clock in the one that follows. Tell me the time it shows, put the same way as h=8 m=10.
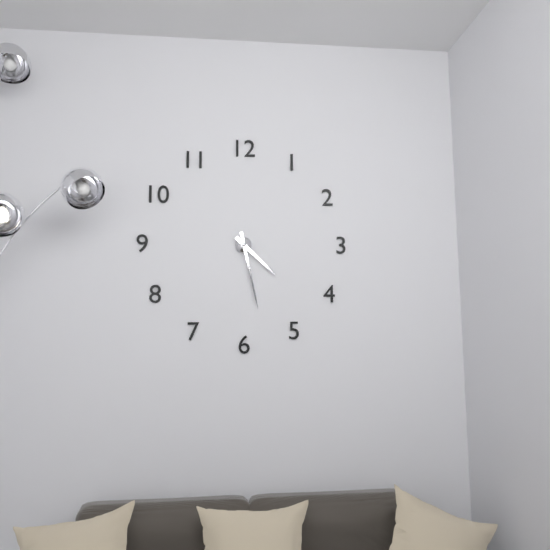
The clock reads h=4 m=28
